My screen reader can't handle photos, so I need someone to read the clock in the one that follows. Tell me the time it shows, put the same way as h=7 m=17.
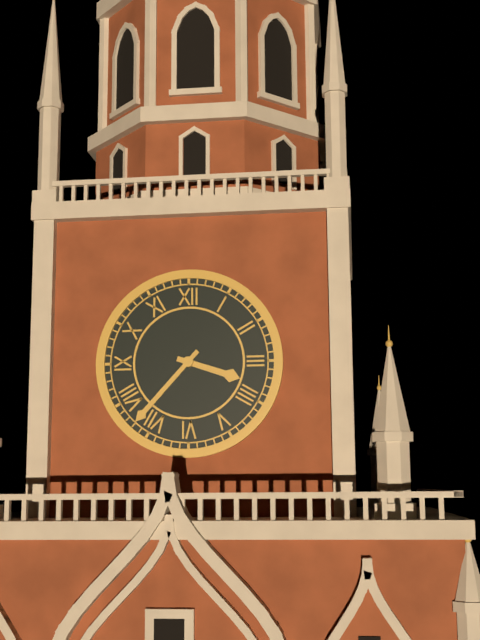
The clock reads h=3 m=37
